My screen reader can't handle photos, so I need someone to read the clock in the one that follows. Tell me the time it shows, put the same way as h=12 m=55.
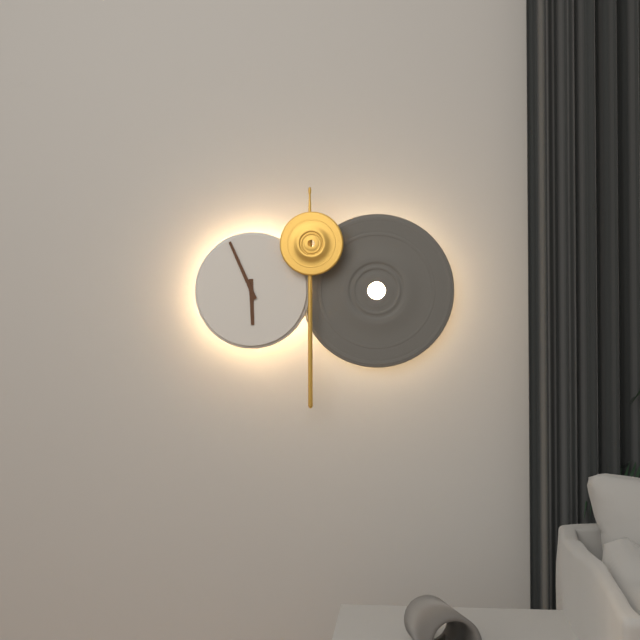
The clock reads h=5 m=56
